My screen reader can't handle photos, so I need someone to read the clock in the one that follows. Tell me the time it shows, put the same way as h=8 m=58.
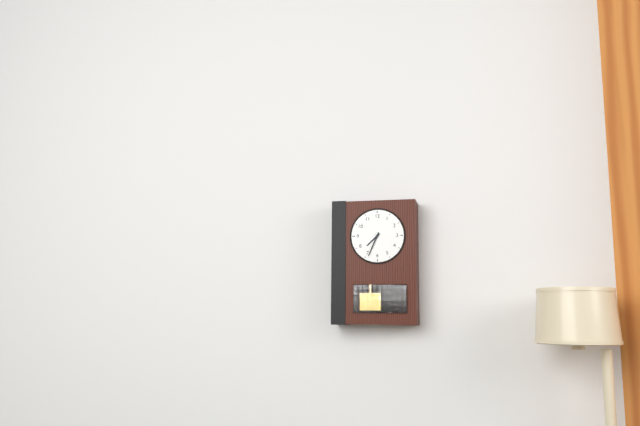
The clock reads h=7 m=34
